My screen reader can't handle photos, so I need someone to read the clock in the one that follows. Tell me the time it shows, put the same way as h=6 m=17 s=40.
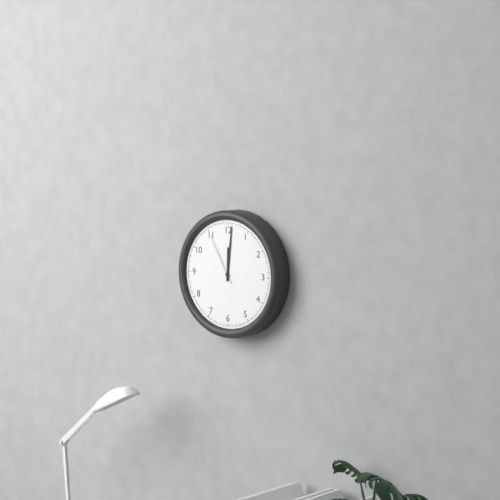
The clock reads h=12 m=1 s=55
